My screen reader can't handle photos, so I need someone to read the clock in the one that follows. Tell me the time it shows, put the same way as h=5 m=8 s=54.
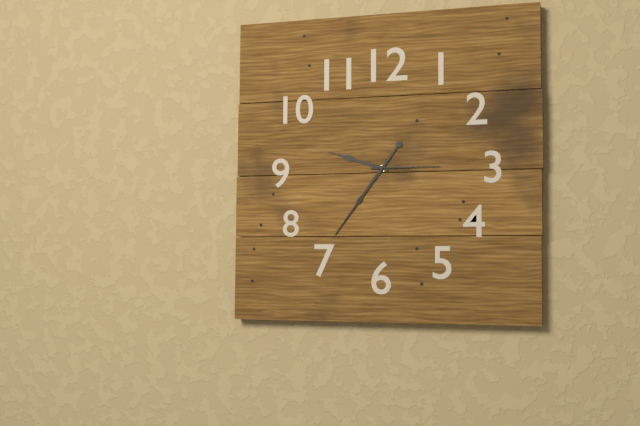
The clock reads h=9 m=36 s=15
